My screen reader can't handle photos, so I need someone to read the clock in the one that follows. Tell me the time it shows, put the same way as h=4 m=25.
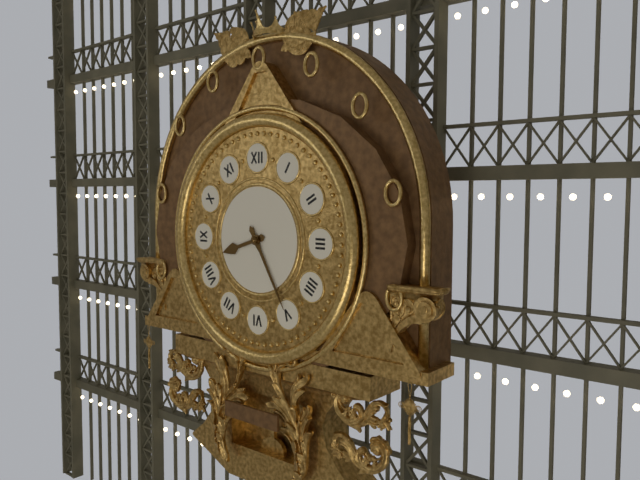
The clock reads h=8 m=25
